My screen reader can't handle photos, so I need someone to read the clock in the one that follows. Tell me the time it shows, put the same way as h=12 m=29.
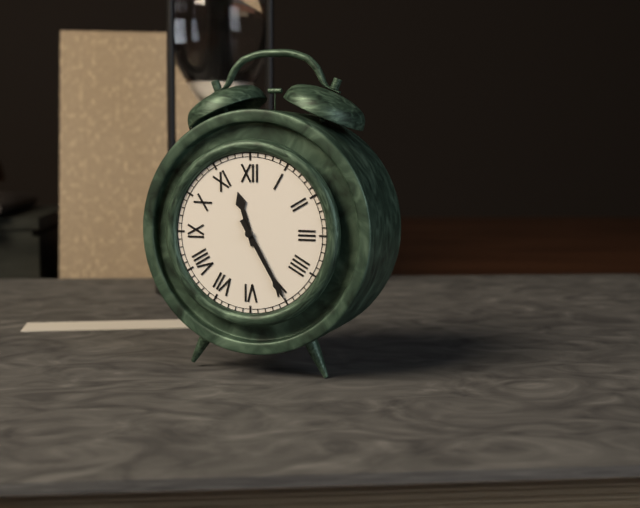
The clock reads h=11 m=25
